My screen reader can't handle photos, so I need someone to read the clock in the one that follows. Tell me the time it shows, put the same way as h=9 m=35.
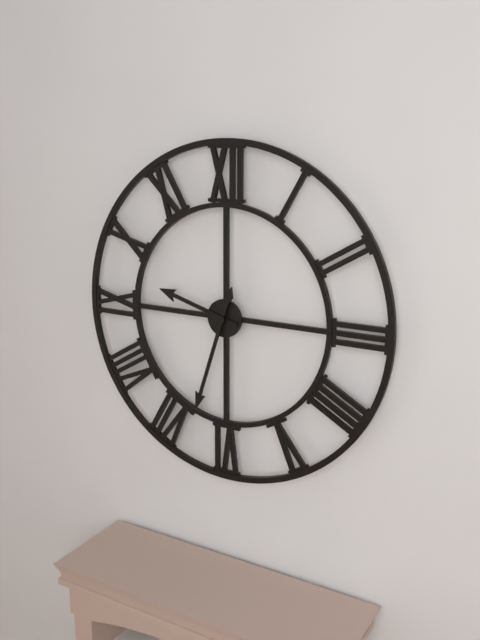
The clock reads h=9 m=33
